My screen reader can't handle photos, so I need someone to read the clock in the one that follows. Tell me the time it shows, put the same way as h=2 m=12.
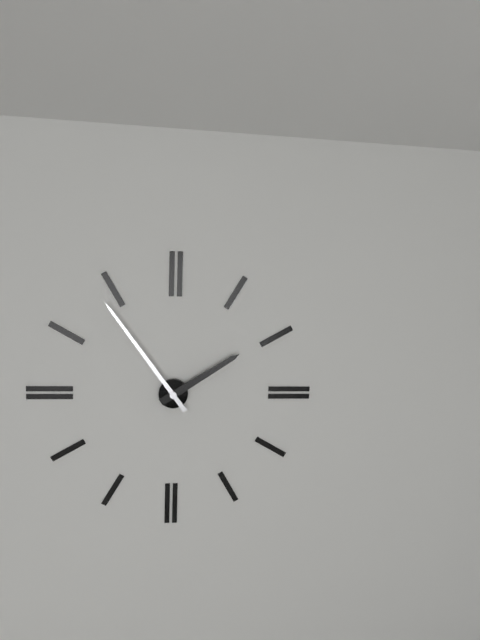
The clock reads h=1 m=54
